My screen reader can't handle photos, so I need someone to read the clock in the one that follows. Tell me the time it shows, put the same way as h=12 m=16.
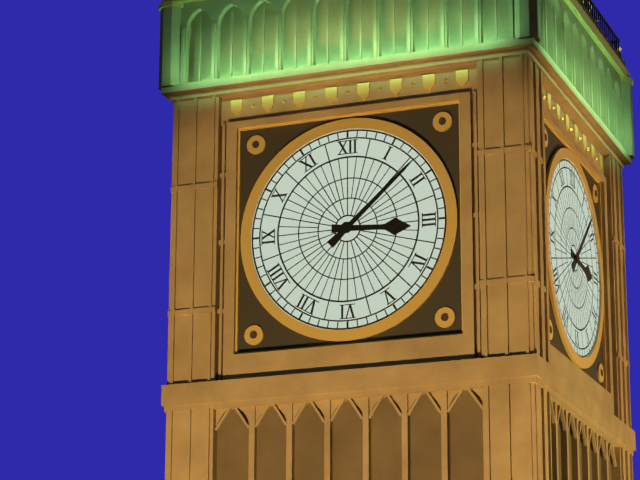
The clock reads h=3 m=8
